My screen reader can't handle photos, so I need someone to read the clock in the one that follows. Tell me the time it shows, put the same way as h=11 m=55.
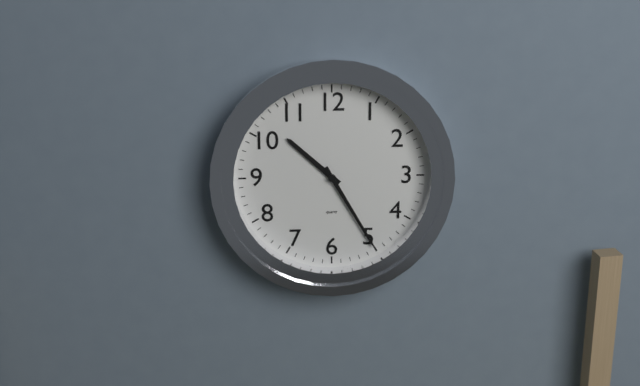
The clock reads h=10 m=25
